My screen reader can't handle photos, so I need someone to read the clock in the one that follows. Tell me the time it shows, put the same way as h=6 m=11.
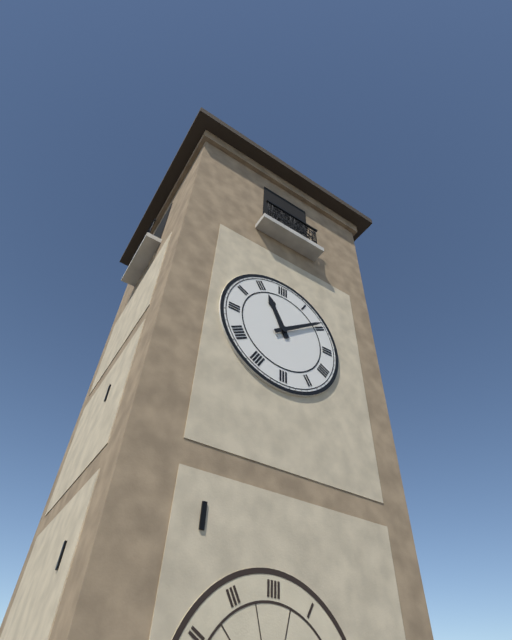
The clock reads h=11 m=9
